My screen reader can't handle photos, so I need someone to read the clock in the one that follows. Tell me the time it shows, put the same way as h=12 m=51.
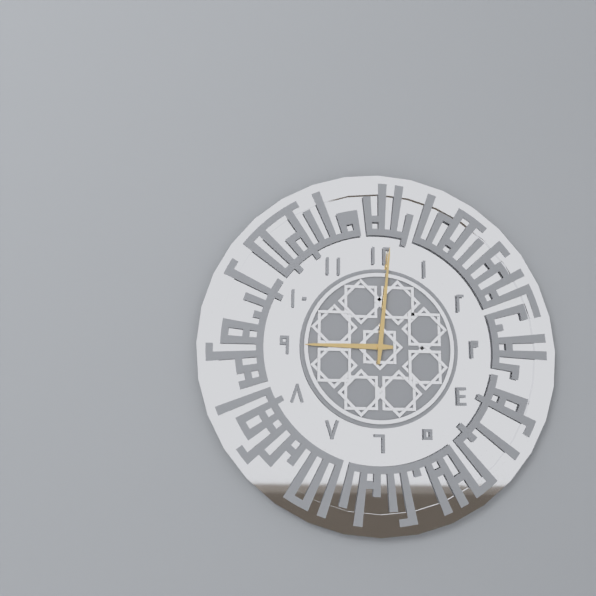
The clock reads h=9 m=1
